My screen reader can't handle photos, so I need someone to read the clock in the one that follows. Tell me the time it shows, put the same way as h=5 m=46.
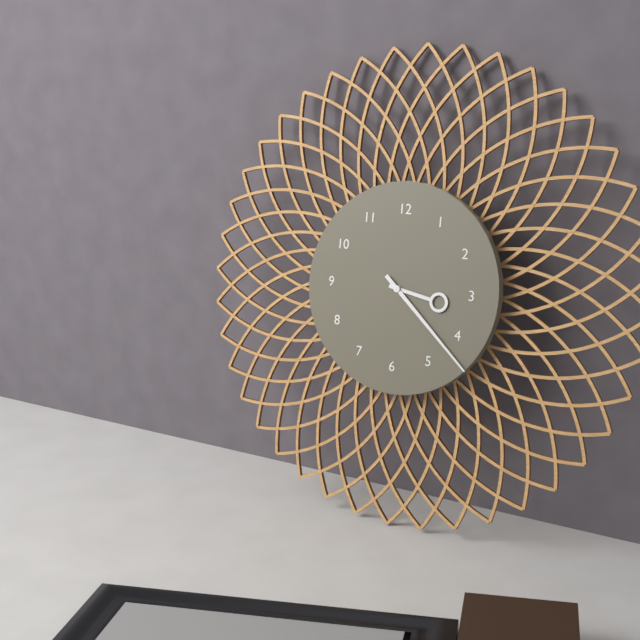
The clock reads h=3 m=22
